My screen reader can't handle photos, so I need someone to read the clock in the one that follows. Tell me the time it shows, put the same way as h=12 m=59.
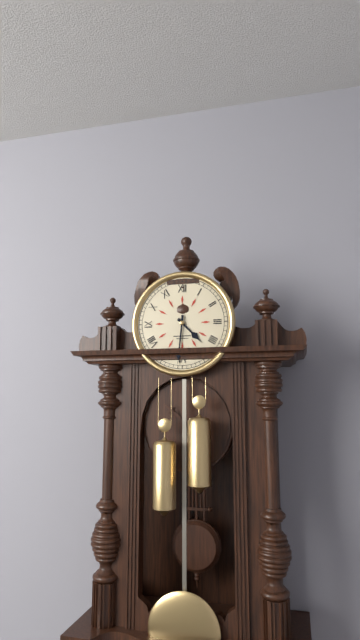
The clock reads h=4 m=31
